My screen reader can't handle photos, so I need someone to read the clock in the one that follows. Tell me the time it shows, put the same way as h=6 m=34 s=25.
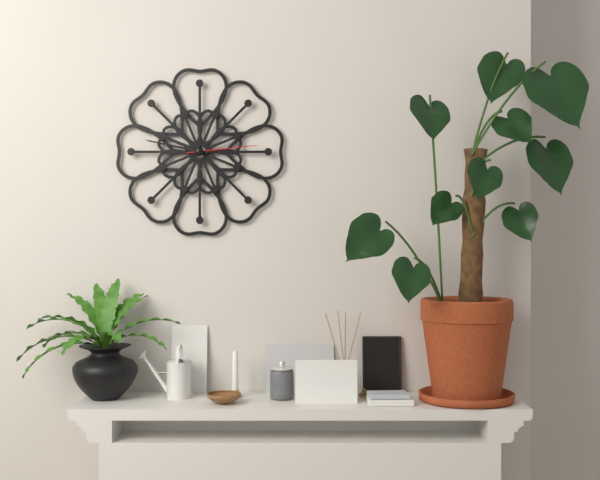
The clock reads h=9 m=47 s=14
